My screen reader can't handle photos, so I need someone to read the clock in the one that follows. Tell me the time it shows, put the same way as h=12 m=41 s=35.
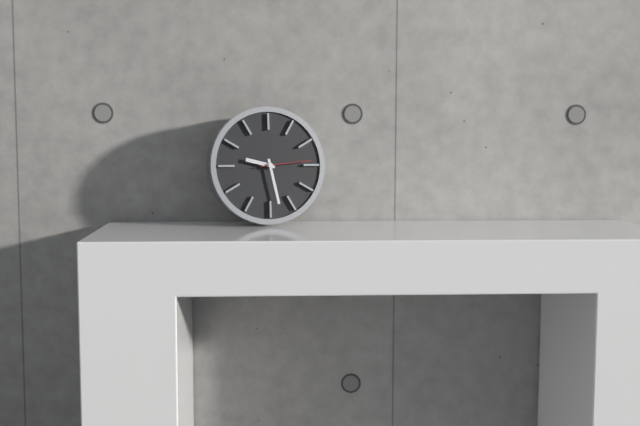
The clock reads h=9 m=28 s=14
